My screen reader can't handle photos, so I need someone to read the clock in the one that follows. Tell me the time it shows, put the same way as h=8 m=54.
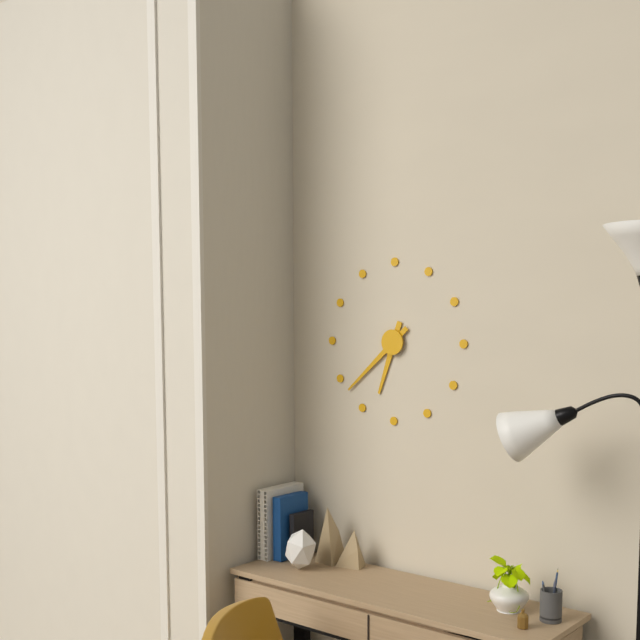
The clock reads h=6 m=38
